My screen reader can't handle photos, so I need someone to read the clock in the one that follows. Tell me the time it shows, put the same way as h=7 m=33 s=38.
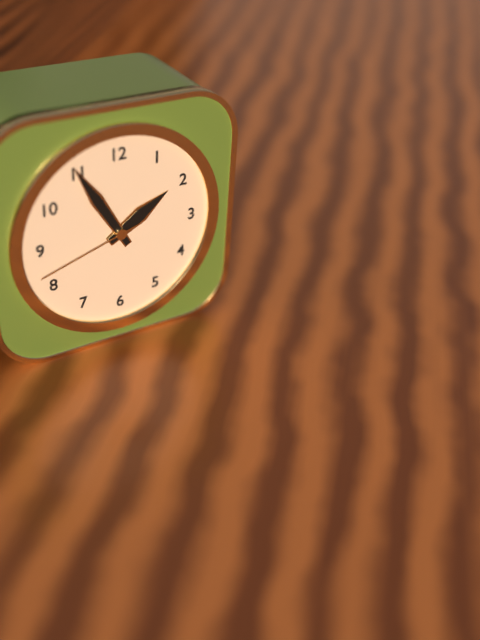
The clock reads h=1 m=55 s=42
